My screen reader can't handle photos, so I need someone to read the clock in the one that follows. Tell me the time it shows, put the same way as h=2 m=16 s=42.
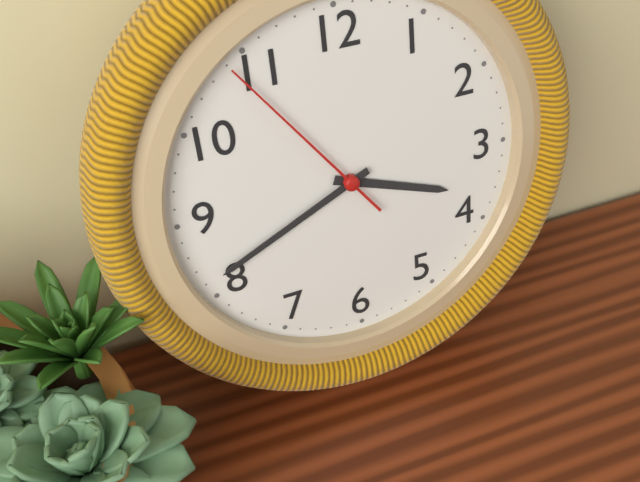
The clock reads h=3 m=41 s=54
